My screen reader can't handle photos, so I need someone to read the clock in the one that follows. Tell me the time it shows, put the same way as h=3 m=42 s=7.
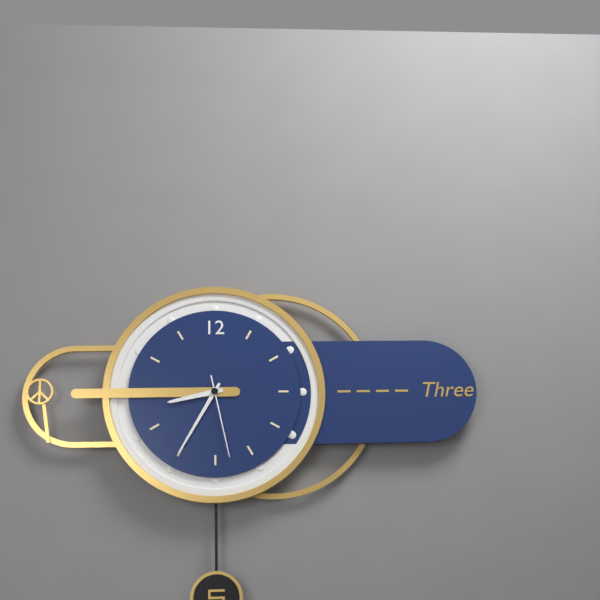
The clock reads h=8 m=35 s=28
